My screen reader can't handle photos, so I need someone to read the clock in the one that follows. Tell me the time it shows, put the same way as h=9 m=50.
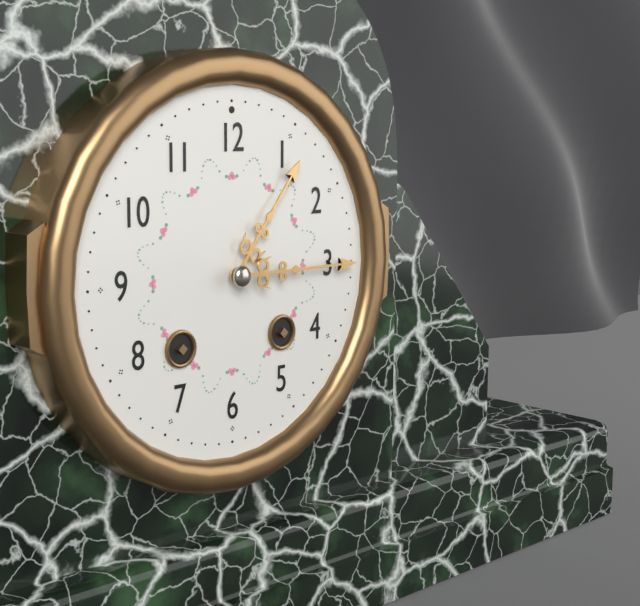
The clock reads h=1 m=15
